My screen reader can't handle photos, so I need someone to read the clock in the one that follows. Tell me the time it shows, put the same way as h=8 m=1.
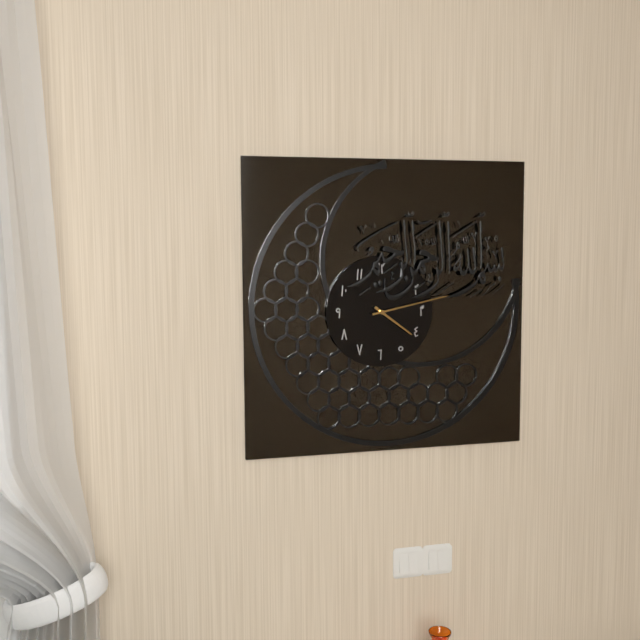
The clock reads h=4 m=13
